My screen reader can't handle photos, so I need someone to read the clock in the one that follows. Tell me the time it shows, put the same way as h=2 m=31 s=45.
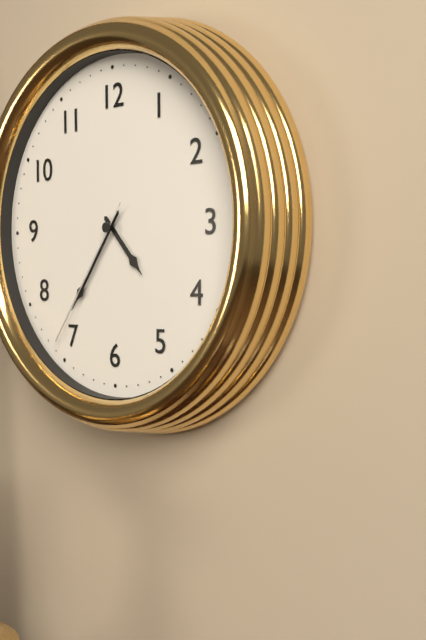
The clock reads h=4 m=36 s=36
